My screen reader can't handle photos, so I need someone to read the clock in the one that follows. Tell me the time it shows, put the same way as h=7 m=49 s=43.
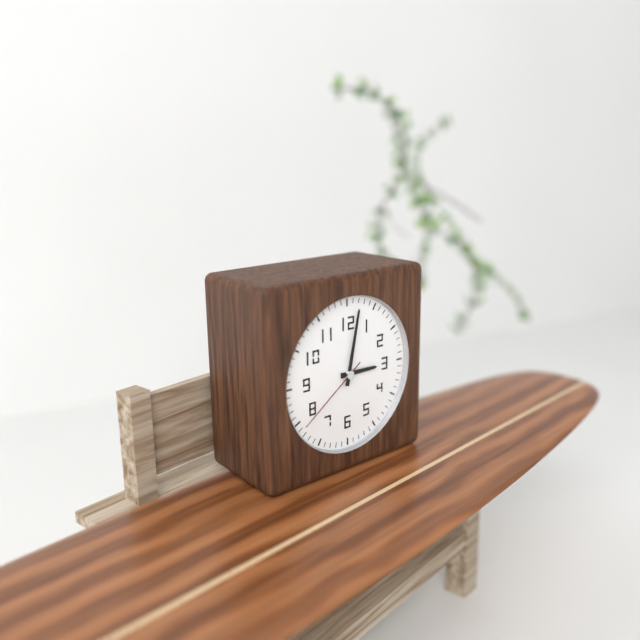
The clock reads h=3 m=2 s=39
